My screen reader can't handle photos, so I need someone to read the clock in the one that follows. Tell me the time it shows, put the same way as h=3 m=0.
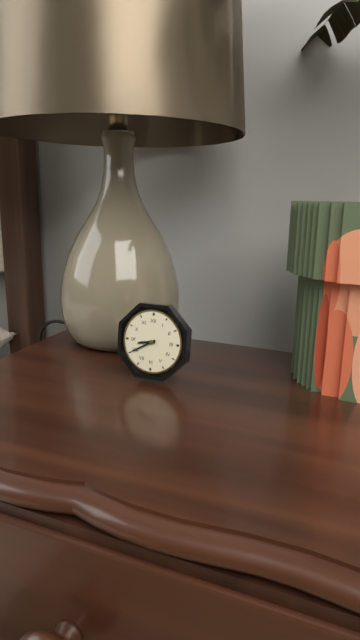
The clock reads h=8 m=40
